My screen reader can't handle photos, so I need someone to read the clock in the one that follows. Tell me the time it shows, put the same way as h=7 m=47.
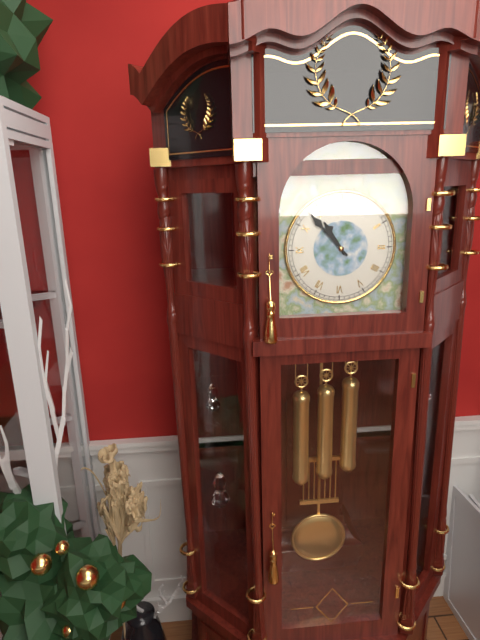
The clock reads h=10 m=53
